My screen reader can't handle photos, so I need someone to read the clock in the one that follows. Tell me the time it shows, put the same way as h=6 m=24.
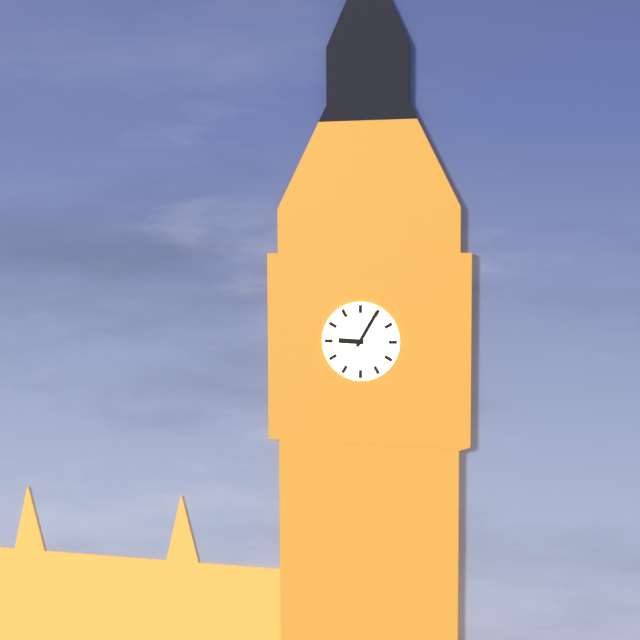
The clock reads h=9 m=5
